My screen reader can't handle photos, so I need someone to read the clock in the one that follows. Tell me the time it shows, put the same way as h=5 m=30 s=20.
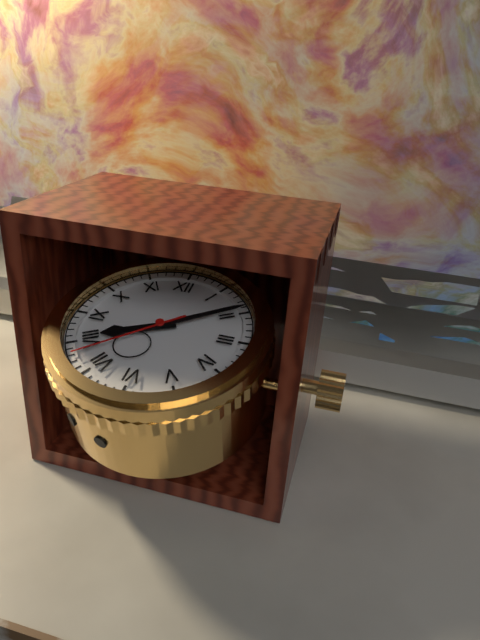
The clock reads h=8 m=9 s=38
